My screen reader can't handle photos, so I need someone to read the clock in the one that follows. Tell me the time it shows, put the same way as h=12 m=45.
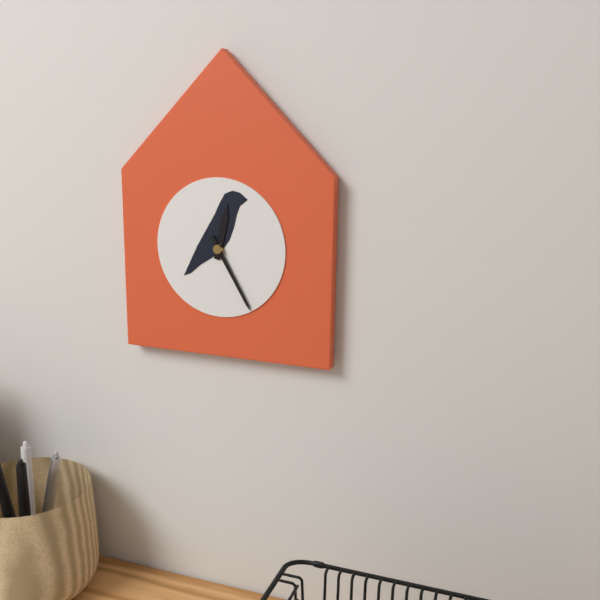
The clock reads h=12 m=25
